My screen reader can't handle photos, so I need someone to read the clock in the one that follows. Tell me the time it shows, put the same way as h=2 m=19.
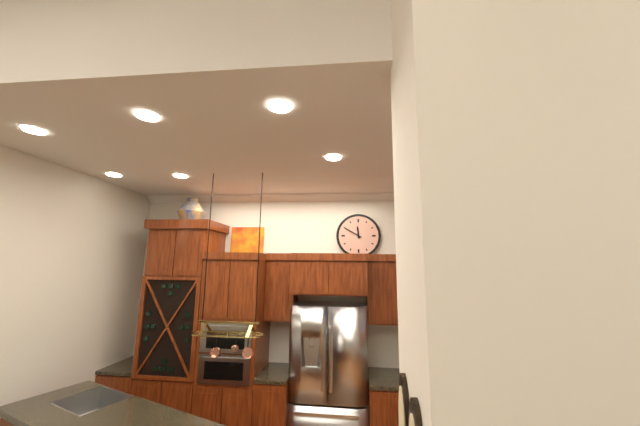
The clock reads h=11 m=50
